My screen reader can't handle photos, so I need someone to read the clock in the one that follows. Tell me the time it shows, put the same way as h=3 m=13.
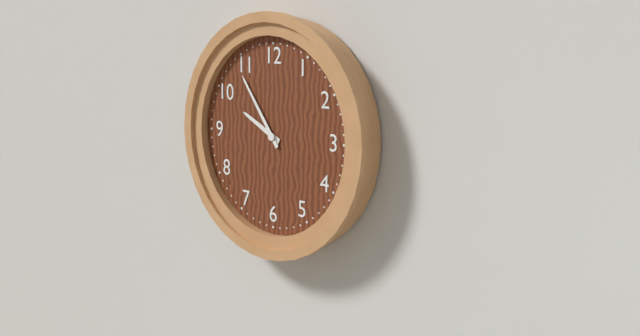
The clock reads h=9 m=54
